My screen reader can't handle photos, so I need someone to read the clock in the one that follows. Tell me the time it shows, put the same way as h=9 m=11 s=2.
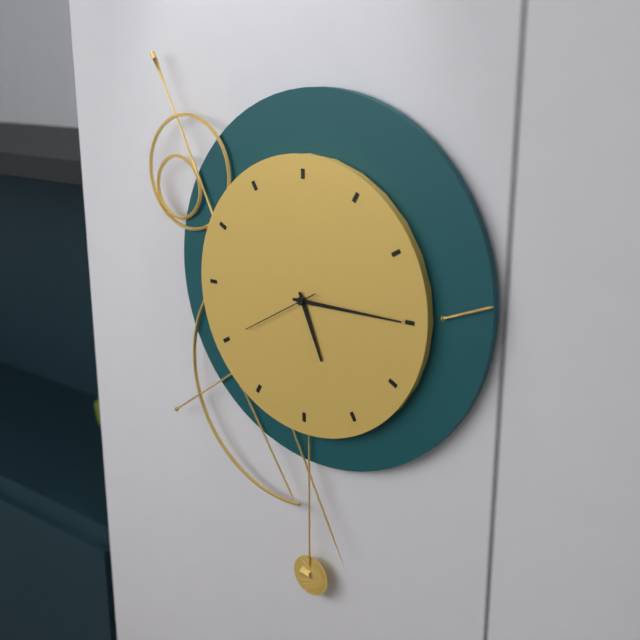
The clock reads h=5 m=15 s=40
